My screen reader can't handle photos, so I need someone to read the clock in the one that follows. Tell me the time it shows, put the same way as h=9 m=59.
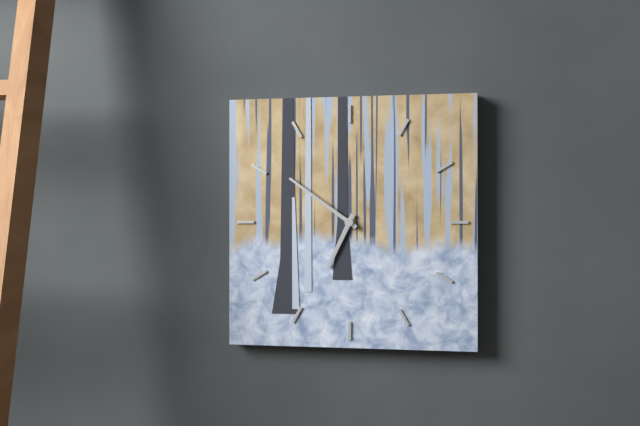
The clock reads h=6 m=51
